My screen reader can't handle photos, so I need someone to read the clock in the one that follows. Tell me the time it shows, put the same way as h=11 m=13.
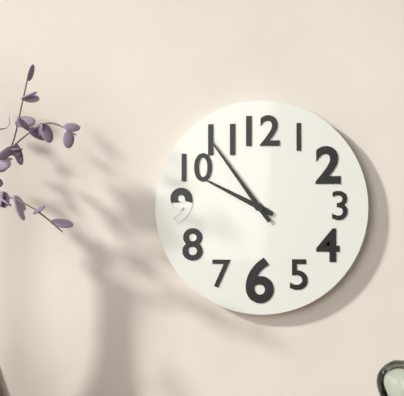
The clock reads h=9 m=54
